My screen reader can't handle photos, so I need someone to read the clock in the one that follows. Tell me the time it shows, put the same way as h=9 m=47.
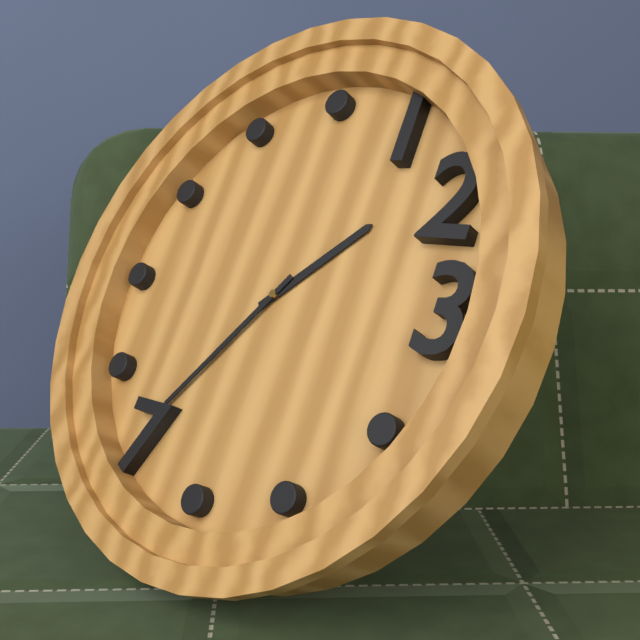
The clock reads h=1 m=36
